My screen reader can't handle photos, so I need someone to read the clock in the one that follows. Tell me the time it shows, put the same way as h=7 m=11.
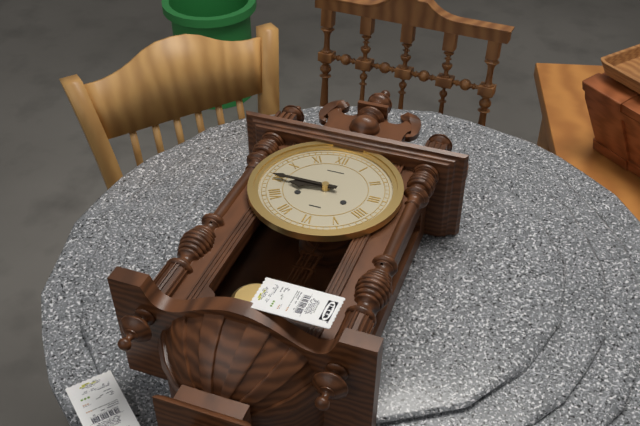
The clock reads h=8 m=45
